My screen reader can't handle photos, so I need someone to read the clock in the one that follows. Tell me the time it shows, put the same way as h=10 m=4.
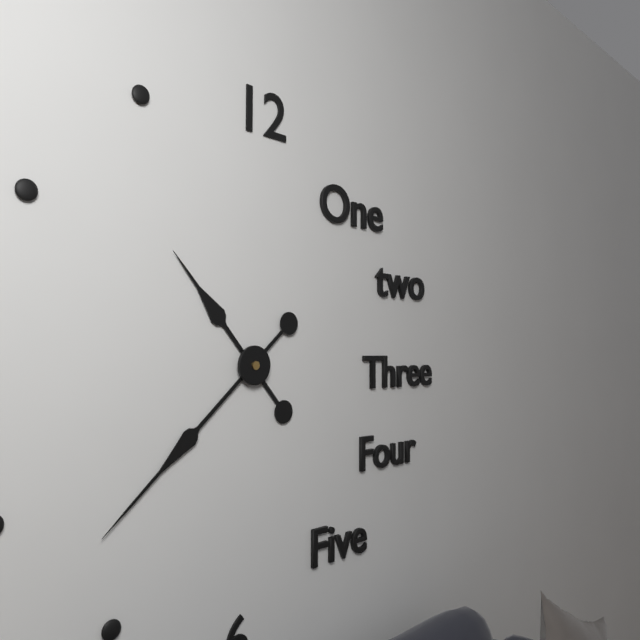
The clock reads h=10 m=38
